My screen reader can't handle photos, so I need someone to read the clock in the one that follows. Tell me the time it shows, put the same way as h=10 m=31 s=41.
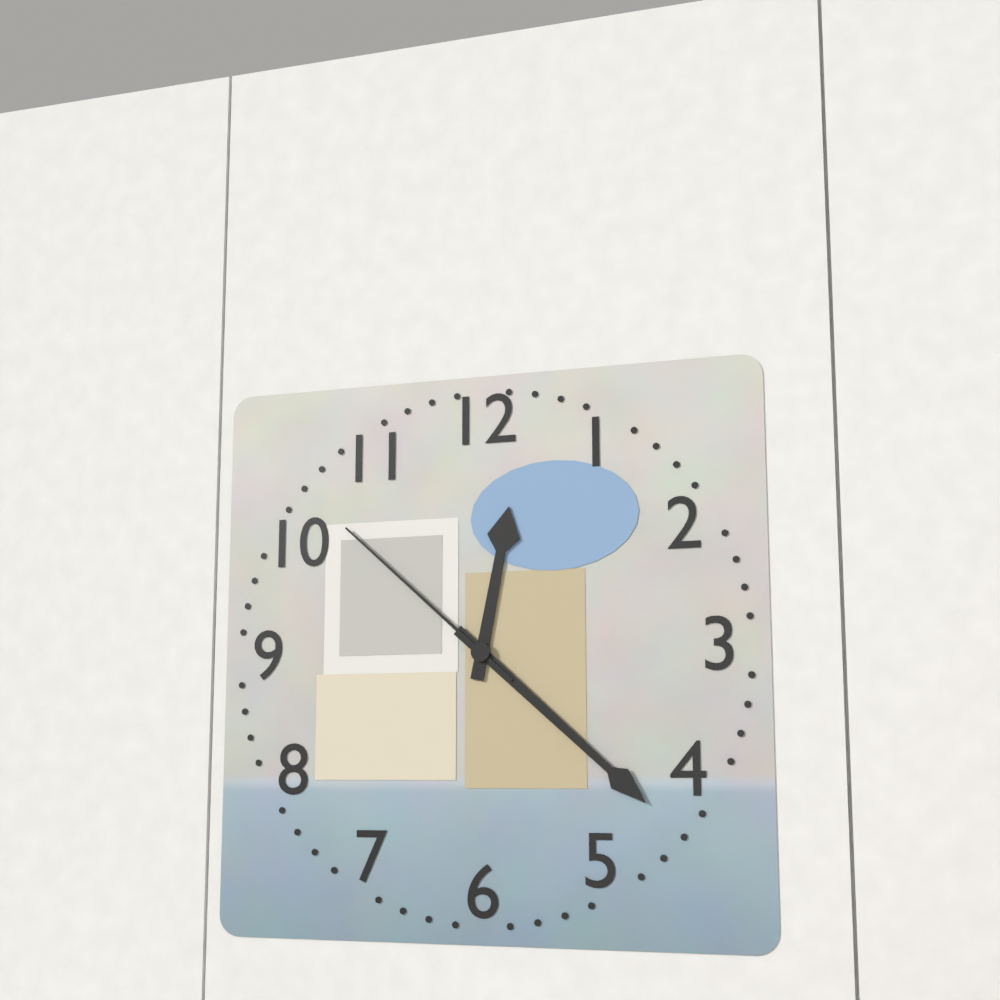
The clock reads h=12 m=22 s=52
